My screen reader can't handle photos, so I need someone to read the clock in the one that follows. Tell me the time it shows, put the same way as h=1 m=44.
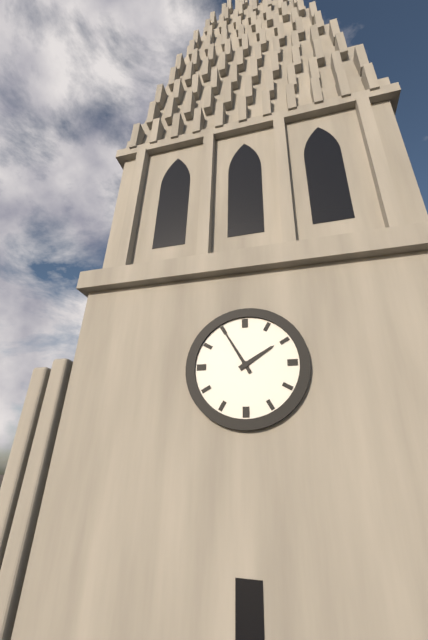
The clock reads h=1 m=55
